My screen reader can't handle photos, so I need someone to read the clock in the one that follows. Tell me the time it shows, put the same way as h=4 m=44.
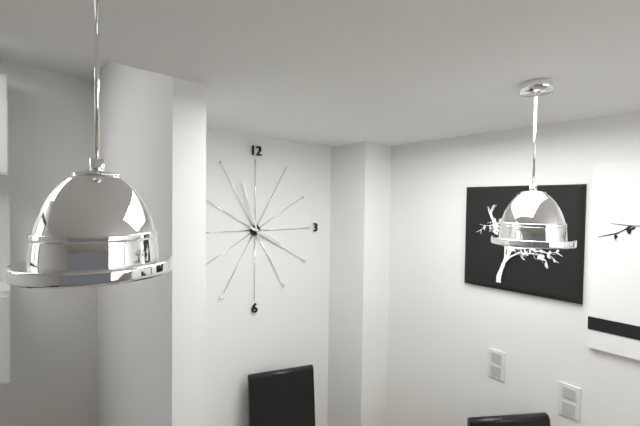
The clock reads h=3 m=57
